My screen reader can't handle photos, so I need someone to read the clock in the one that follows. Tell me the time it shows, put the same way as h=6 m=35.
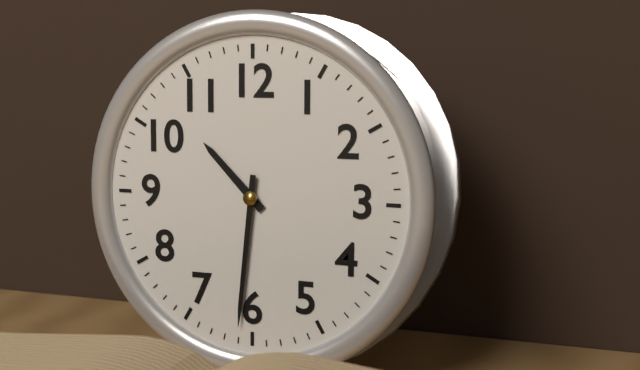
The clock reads h=10 m=31
